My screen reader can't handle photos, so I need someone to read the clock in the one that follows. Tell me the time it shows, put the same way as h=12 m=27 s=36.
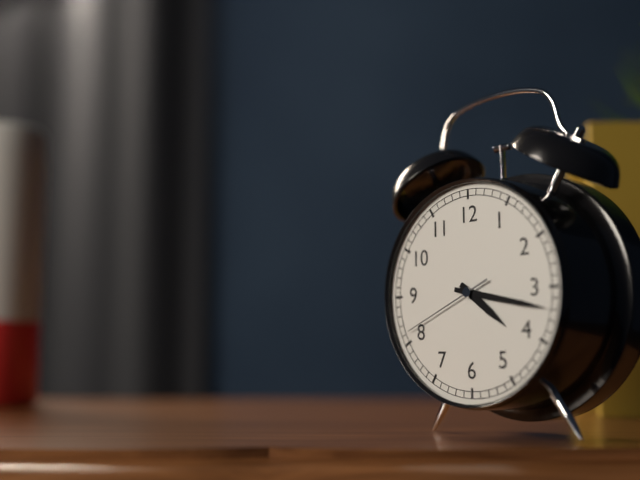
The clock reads h=4 m=17 s=41
